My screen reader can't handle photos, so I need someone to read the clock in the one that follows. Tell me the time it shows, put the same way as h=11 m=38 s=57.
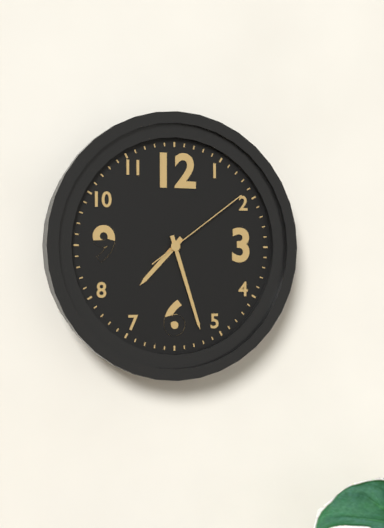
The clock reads h=7 m=27 s=9
